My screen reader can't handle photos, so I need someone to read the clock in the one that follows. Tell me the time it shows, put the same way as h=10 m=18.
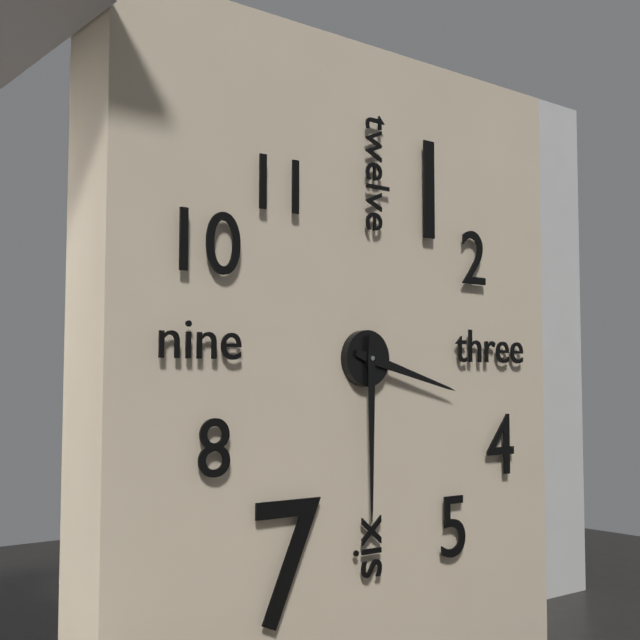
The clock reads h=3 m=30
